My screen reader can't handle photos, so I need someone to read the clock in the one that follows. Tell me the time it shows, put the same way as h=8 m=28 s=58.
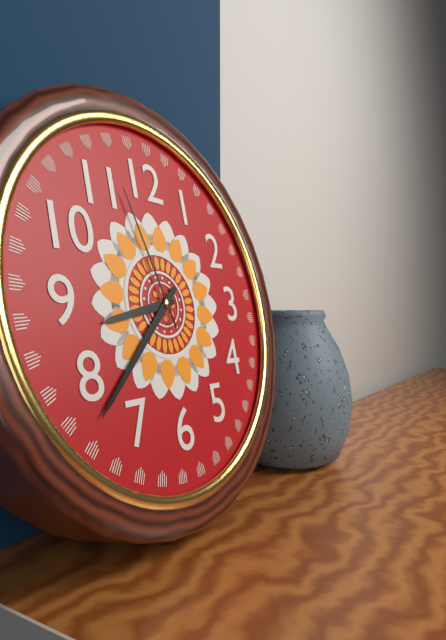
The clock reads h=8 m=38 s=57
